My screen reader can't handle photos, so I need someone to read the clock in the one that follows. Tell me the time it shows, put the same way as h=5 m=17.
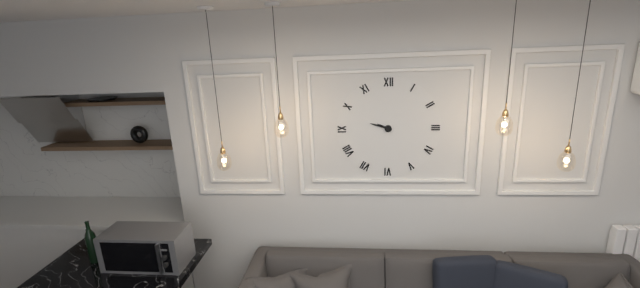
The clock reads h=9 m=48
